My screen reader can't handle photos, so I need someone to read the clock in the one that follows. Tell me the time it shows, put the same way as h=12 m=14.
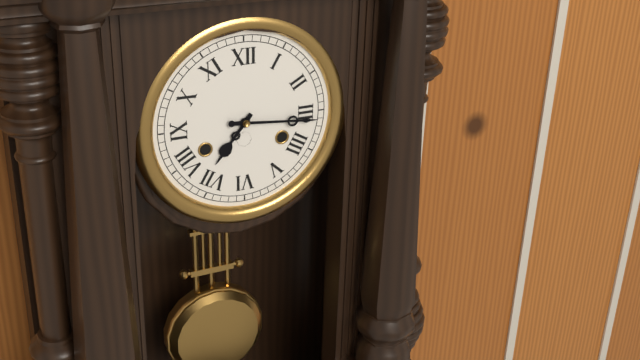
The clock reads h=7 m=16
